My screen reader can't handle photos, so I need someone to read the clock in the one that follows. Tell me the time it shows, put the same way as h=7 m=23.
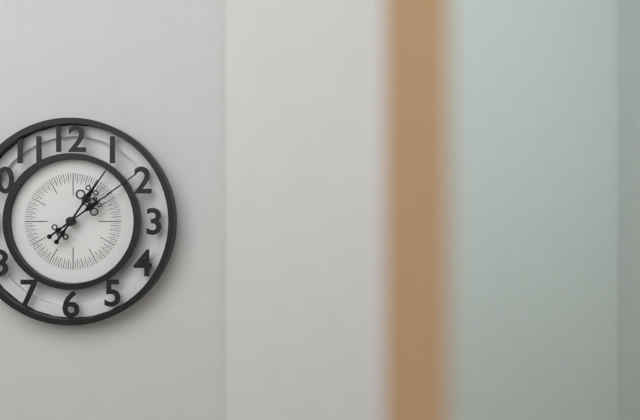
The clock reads h=1 m=9
